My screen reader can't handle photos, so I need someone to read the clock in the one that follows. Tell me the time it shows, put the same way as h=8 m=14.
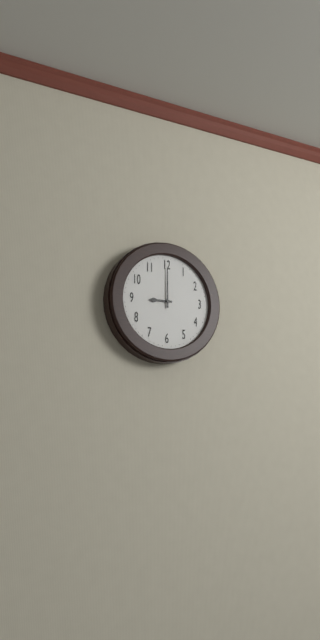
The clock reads h=9 m=0
